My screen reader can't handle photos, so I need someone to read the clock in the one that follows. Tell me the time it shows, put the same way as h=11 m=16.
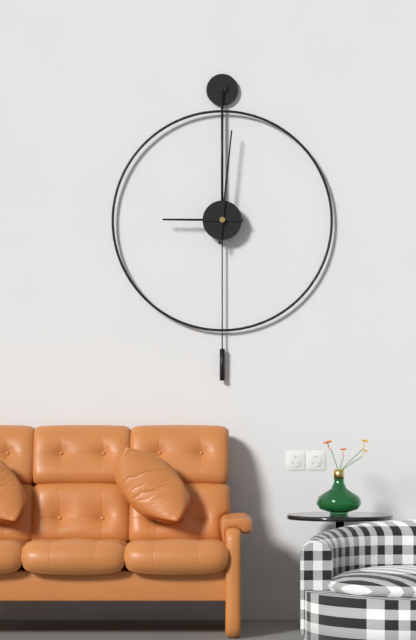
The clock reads h=9 m=1
